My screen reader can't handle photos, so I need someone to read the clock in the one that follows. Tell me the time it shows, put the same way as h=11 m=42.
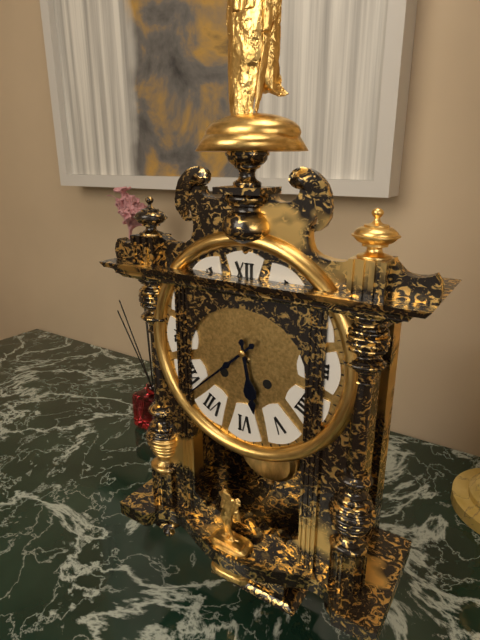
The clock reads h=5 m=38
